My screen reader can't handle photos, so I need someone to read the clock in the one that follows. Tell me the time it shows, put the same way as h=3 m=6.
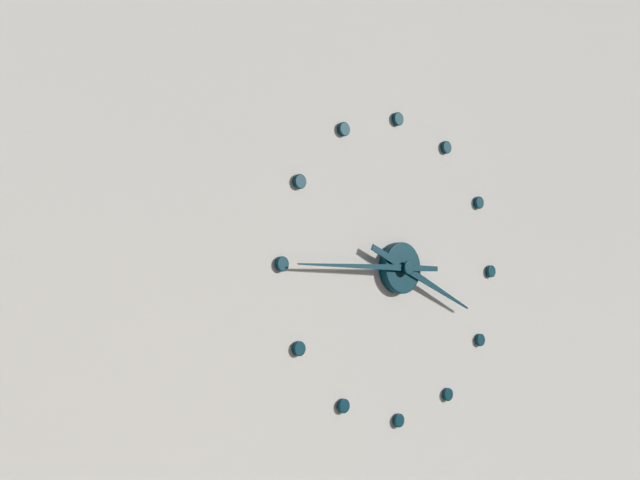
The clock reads h=3 m=45
